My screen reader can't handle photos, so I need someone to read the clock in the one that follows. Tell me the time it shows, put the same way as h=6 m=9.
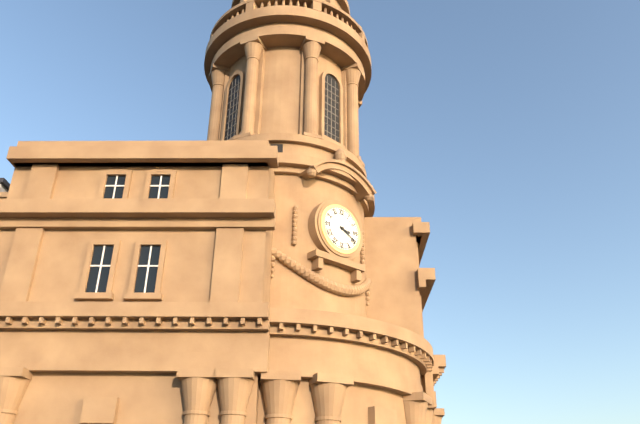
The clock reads h=3 m=20
